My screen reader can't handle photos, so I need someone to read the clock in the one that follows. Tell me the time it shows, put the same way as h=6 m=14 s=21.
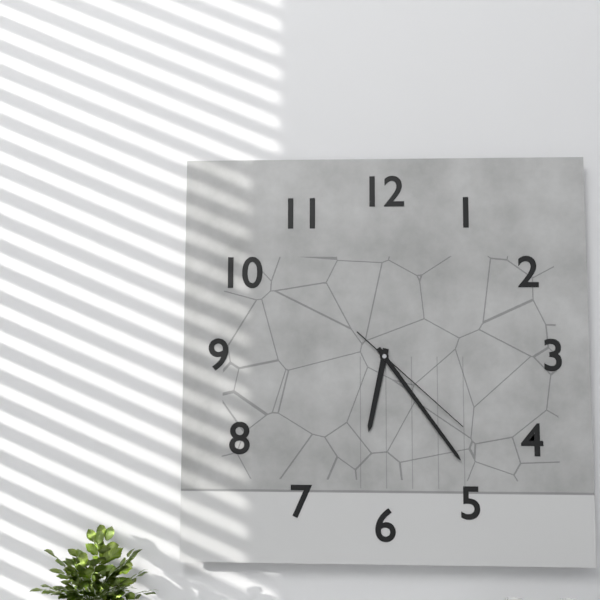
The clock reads h=6 m=24 s=22
